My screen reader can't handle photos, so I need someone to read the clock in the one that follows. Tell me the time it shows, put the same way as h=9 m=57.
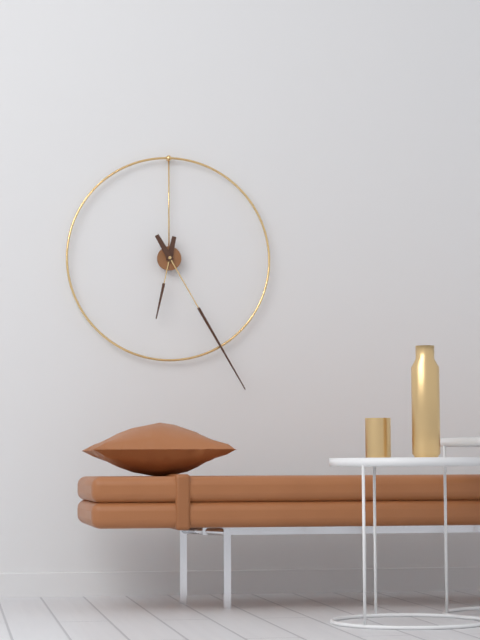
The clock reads h=6 m=25
